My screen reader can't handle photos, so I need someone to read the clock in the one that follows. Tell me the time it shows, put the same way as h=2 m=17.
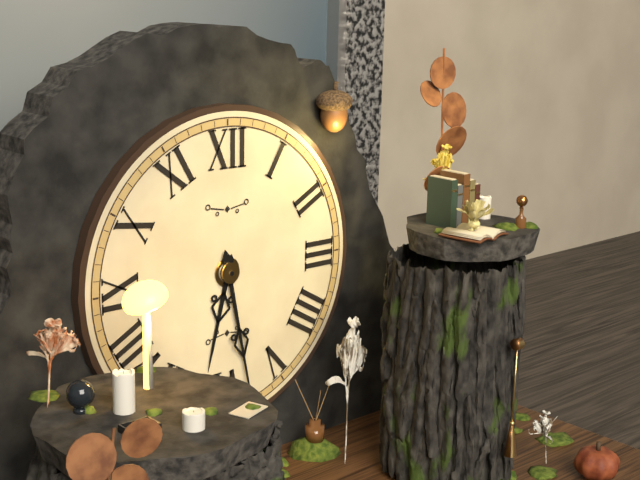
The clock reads h=6 m=28
